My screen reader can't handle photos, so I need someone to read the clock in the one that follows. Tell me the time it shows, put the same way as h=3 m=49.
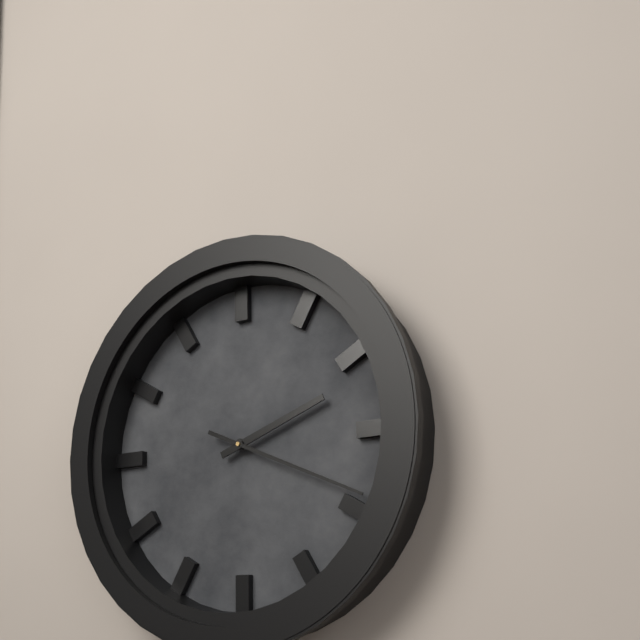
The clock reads h=2 m=19
